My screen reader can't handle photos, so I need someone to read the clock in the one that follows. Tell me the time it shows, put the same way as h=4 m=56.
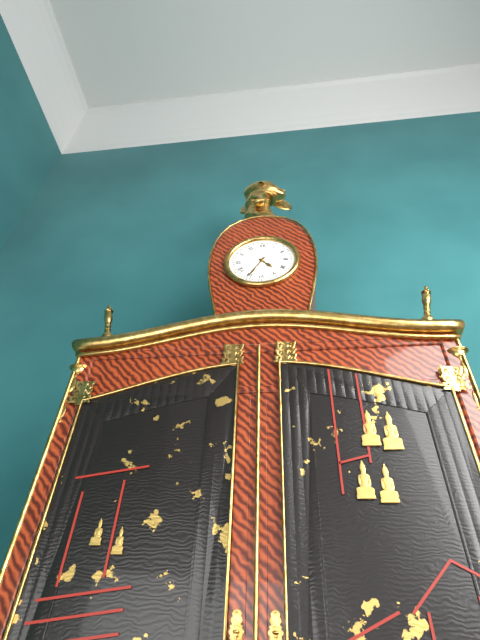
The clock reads h=4 m=35
